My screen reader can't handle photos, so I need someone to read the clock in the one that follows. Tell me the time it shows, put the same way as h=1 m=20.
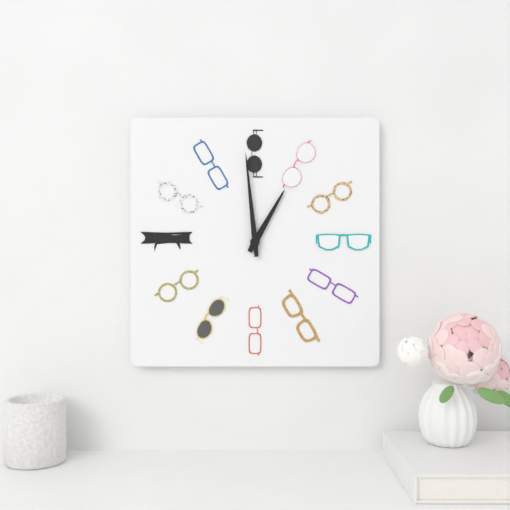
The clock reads h=12 m=59
